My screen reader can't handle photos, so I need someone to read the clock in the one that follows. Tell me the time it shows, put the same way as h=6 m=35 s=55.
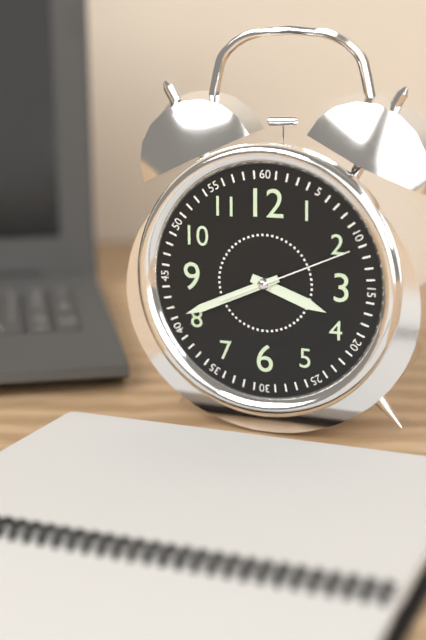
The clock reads h=3 m=41 s=11
